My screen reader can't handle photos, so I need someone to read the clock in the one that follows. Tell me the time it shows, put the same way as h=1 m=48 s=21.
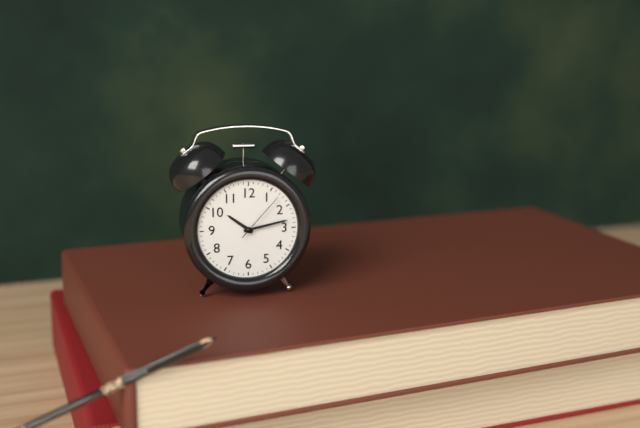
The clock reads h=10 m=13 s=7
